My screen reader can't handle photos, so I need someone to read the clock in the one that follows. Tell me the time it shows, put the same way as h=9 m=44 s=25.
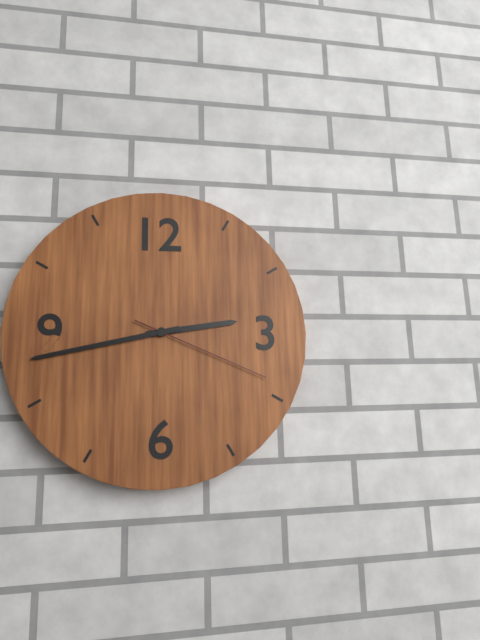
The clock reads h=2 m=43 s=19
